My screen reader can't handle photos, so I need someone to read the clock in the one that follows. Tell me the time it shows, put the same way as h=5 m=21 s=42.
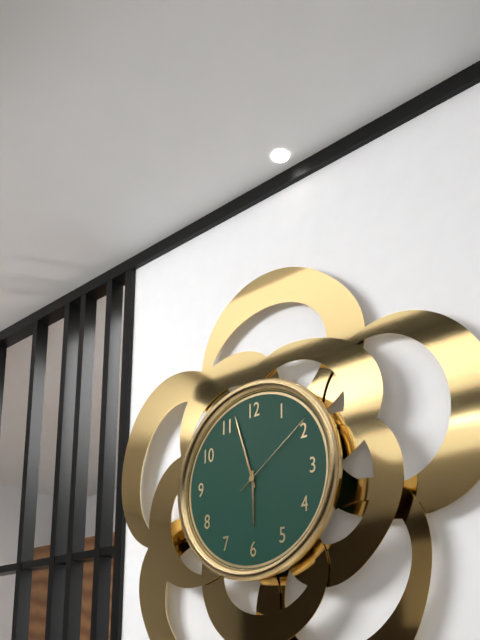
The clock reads h=5 m=57 s=9
